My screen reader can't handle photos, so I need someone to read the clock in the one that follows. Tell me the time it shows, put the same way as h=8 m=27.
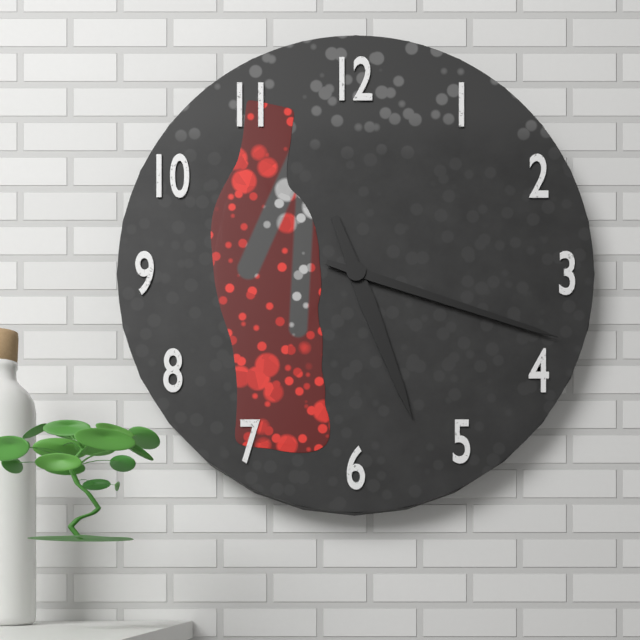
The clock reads h=5 m=18
